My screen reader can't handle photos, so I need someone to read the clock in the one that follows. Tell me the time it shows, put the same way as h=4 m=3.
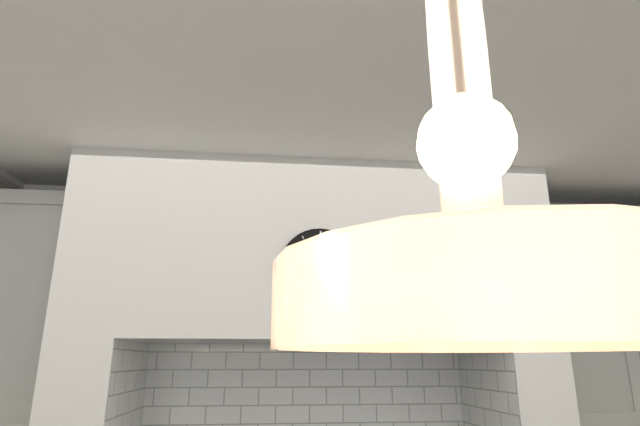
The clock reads h=4 m=12
